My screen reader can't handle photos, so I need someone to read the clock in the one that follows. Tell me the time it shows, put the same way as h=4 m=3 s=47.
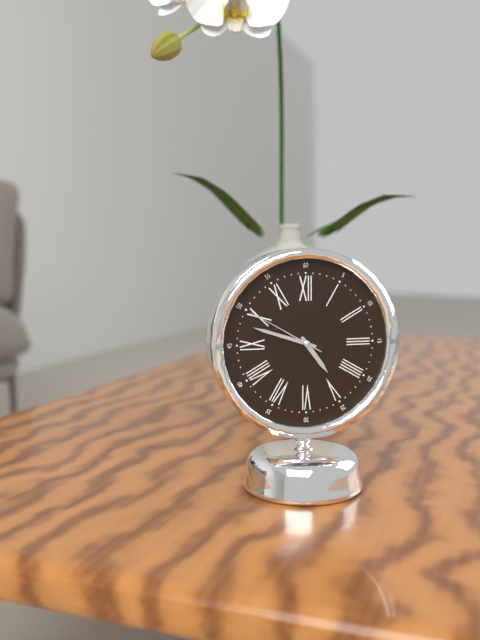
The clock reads h=4 m=48 s=50
